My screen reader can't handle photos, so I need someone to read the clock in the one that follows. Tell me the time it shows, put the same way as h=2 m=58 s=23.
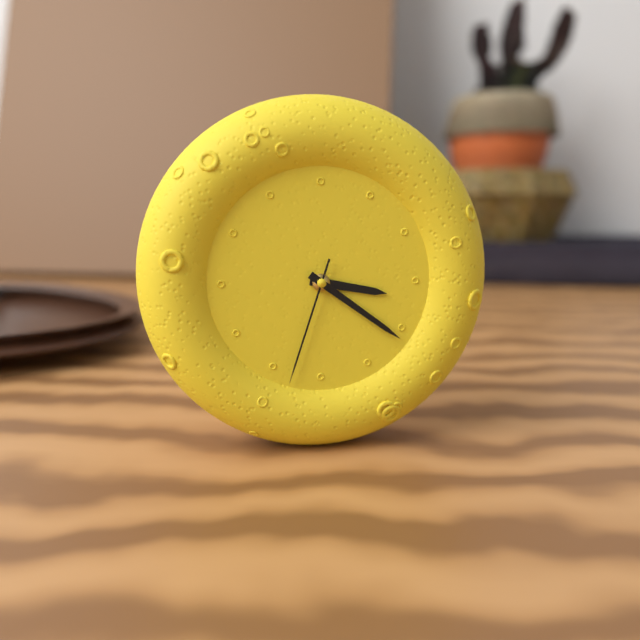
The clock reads h=3 m=21 s=33
